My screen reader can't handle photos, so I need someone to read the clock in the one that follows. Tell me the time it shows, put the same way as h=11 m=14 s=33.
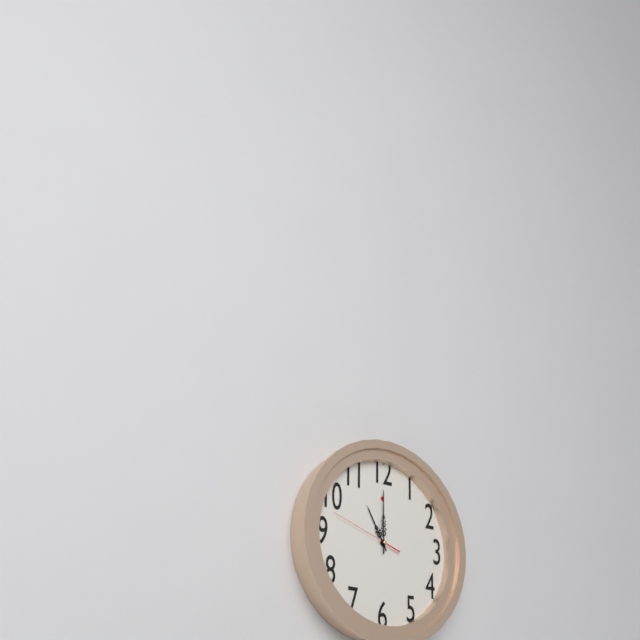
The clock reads h=11 m=0 s=48
